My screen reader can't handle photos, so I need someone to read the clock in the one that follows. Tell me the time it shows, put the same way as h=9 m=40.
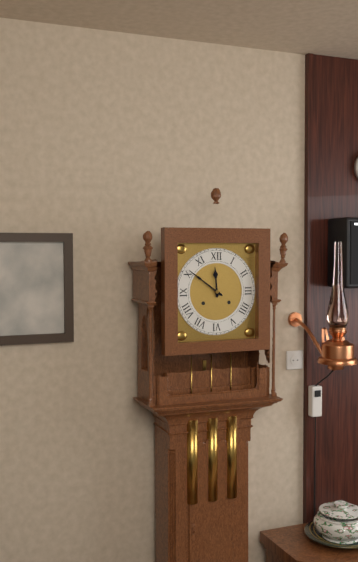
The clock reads h=11 m=51
